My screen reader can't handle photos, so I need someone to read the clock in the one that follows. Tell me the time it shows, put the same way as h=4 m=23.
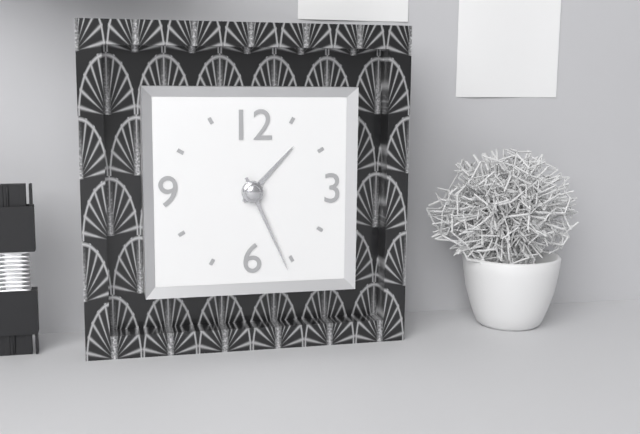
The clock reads h=1 m=26
